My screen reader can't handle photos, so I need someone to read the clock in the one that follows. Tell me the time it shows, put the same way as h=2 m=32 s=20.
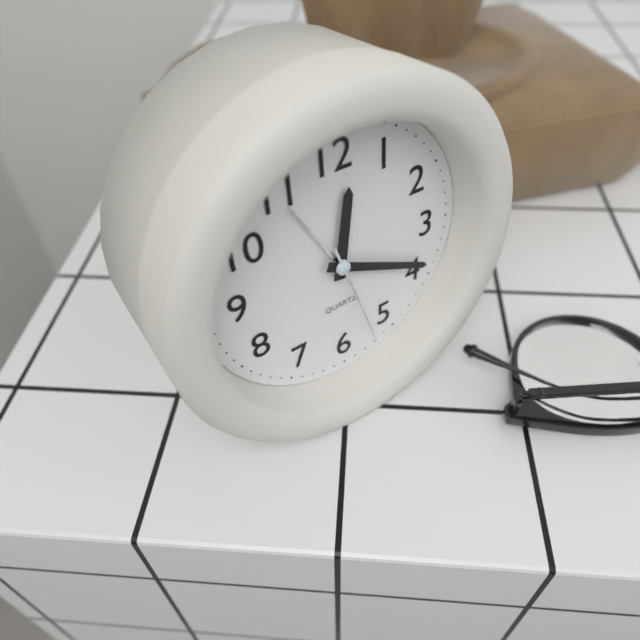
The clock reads h=12 m=19 s=27
